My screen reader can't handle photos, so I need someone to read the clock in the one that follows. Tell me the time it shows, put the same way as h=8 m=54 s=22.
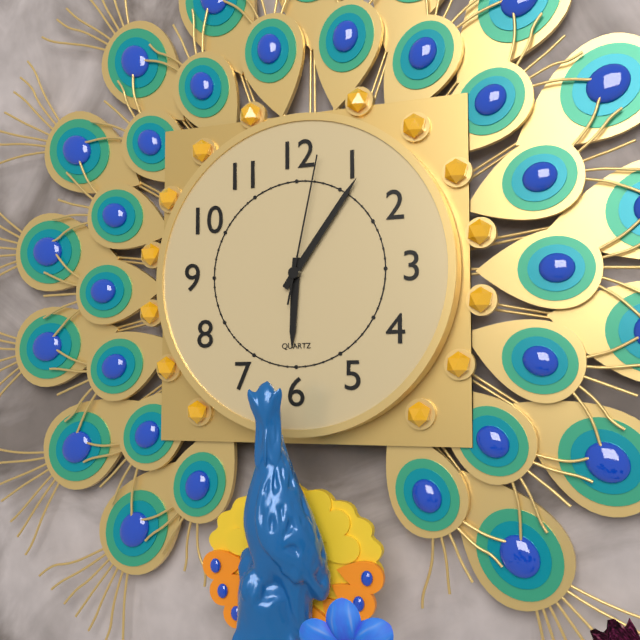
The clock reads h=6 m=6 s=2
